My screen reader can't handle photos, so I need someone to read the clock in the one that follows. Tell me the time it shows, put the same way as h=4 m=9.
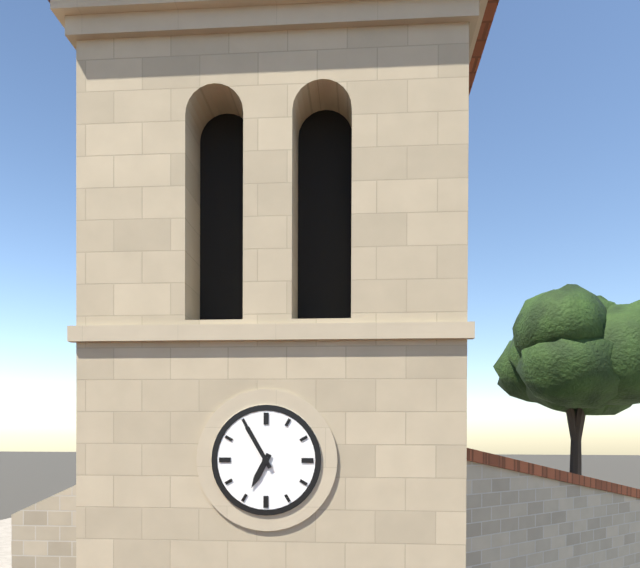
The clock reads h=6 m=55
